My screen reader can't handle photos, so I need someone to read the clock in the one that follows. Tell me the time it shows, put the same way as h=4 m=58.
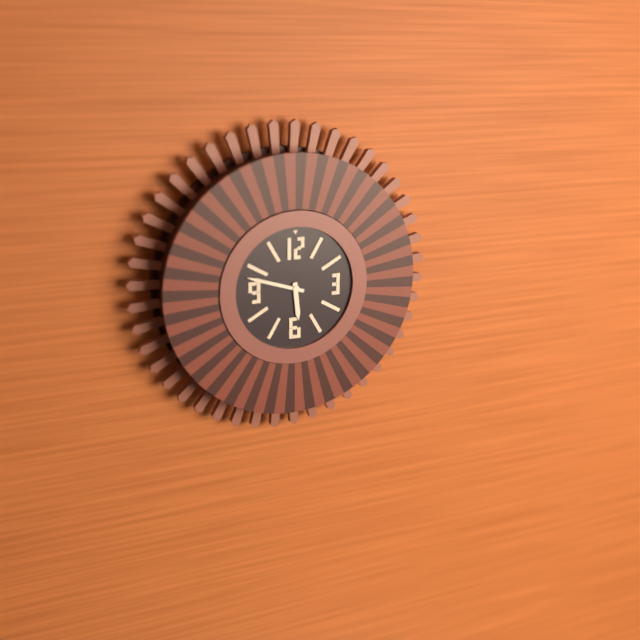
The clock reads h=5 m=48
